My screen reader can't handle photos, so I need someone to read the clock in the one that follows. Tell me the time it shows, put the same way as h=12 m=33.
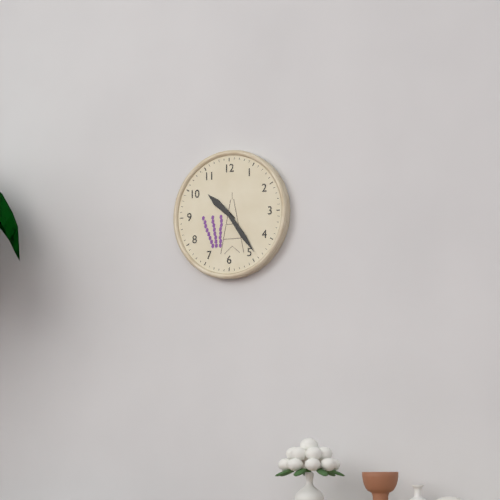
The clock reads h=10 m=24
